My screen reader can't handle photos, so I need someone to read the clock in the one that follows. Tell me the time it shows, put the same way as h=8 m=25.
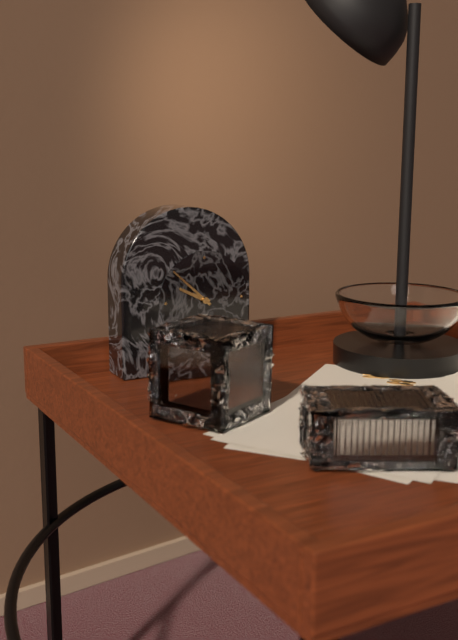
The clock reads h=9 m=52
